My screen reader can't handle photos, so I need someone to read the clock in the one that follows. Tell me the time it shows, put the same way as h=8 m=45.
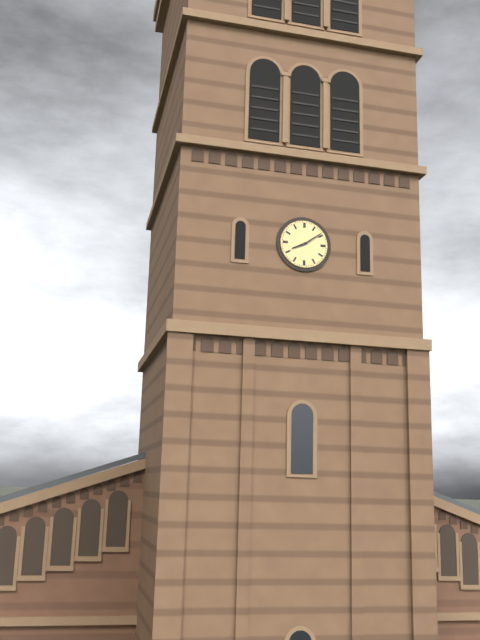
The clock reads h=8 m=9
